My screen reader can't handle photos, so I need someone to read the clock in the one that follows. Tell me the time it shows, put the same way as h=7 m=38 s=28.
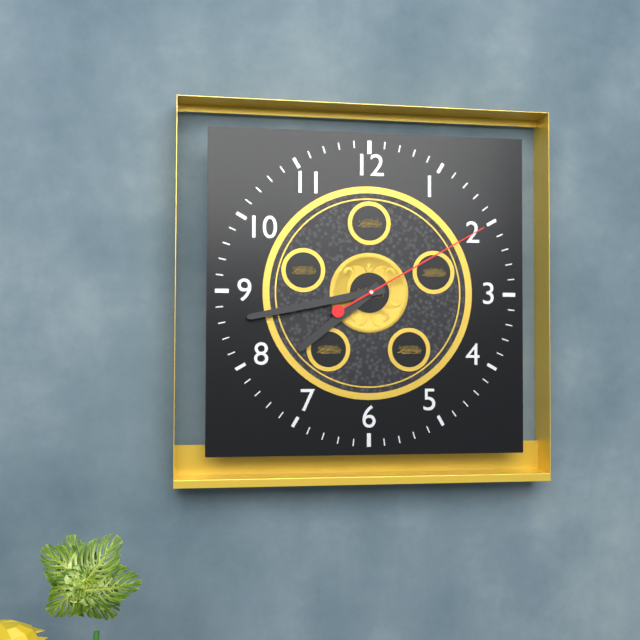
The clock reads h=7 m=43 s=10
